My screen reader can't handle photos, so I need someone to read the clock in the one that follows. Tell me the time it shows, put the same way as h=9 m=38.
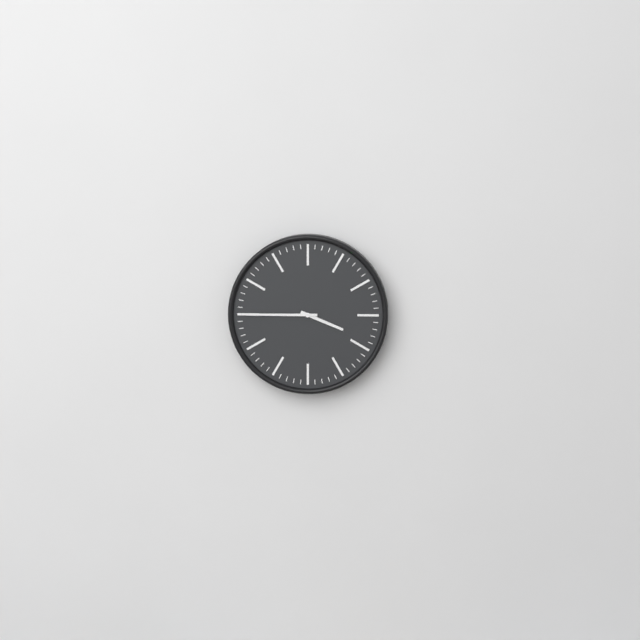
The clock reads h=3 m=45
